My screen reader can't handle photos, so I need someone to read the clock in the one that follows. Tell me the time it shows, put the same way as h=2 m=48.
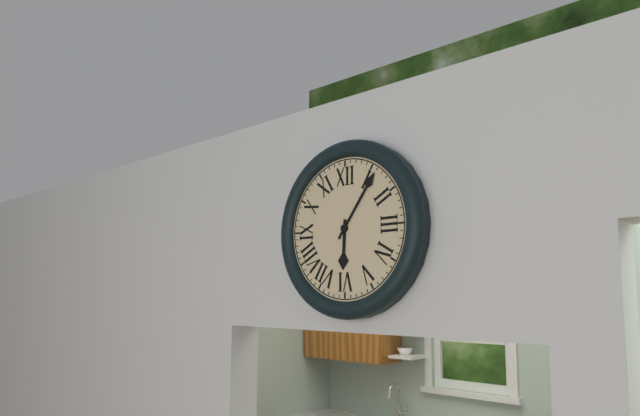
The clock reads h=6 m=6
